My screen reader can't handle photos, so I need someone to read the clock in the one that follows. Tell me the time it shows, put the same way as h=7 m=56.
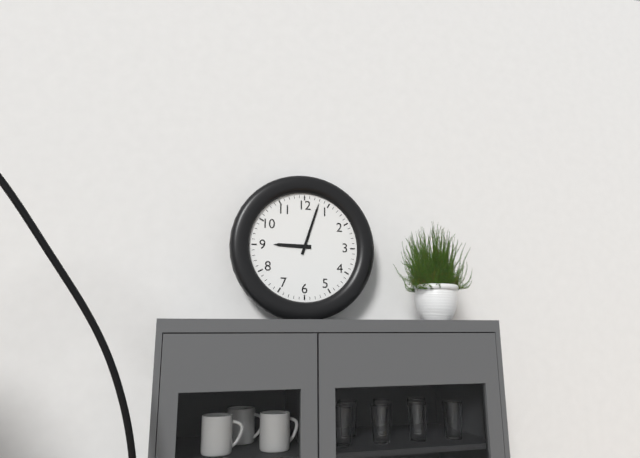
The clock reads h=9 m=3
